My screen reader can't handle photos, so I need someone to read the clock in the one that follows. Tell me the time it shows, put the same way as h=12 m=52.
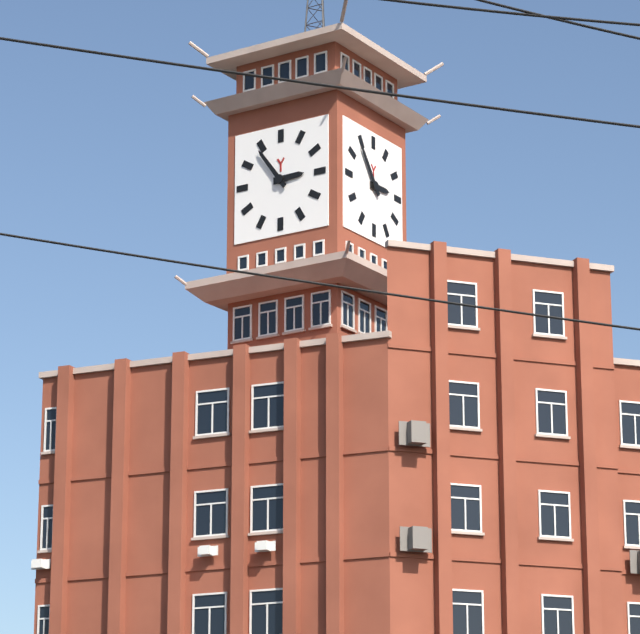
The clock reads h=2 m=54
